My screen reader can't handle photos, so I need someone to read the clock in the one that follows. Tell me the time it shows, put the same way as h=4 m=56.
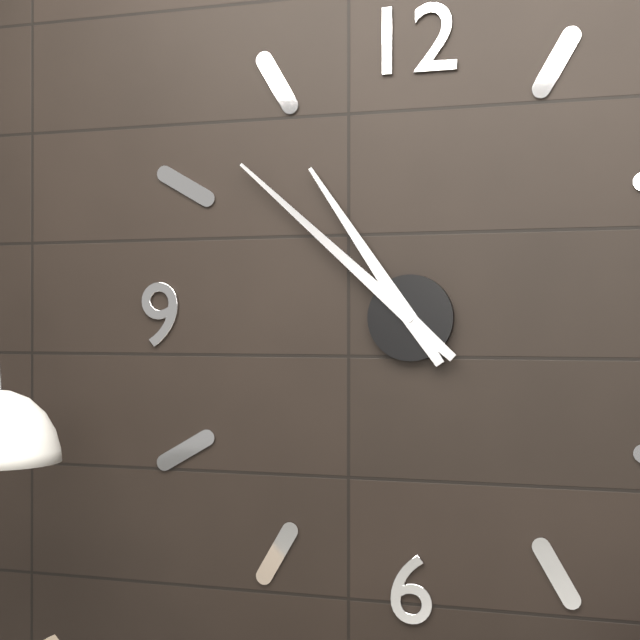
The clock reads h=10 m=52
